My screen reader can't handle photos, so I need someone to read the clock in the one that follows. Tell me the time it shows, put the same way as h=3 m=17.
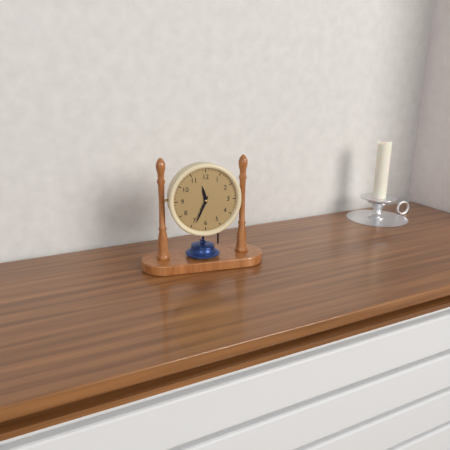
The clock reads h=11 m=34
